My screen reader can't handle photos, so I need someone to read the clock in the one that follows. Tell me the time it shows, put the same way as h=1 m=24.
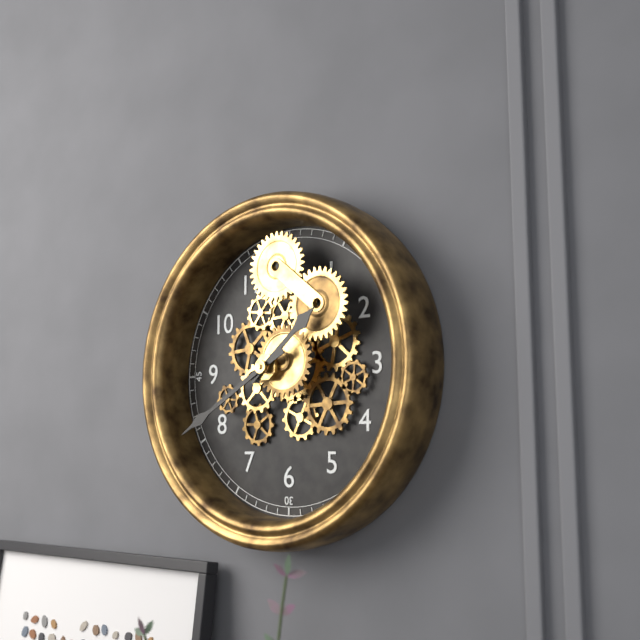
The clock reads h=1 m=40
